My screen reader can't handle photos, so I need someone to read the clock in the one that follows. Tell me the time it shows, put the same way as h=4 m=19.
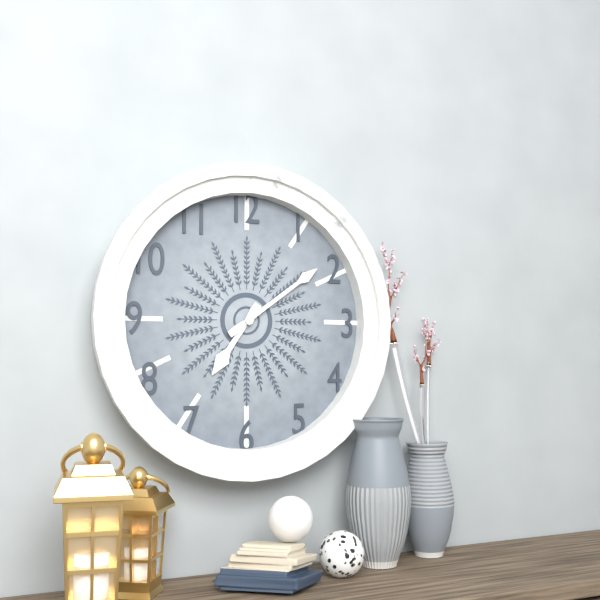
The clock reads h=7 m=9
